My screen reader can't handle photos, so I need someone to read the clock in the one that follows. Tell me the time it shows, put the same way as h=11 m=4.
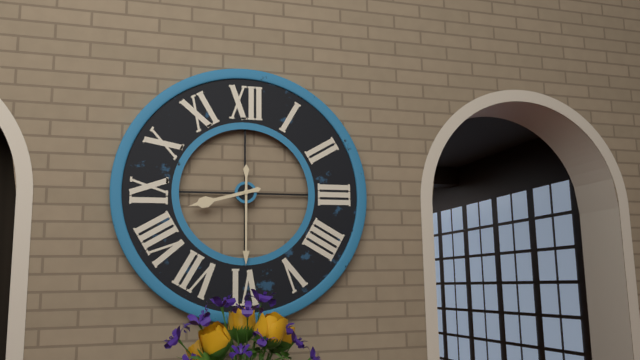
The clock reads h=8 m=30
